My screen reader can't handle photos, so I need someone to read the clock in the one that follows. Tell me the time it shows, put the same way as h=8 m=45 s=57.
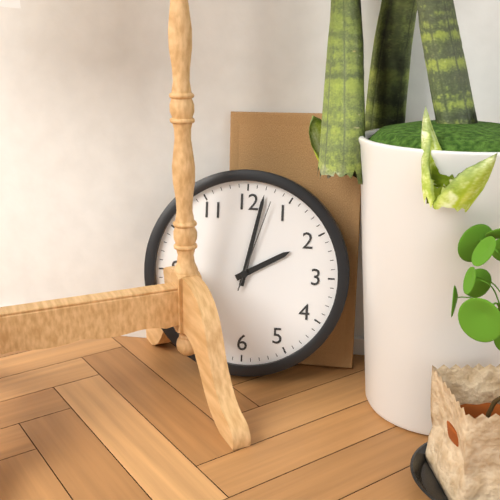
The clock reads h=2 m=2 s=3
